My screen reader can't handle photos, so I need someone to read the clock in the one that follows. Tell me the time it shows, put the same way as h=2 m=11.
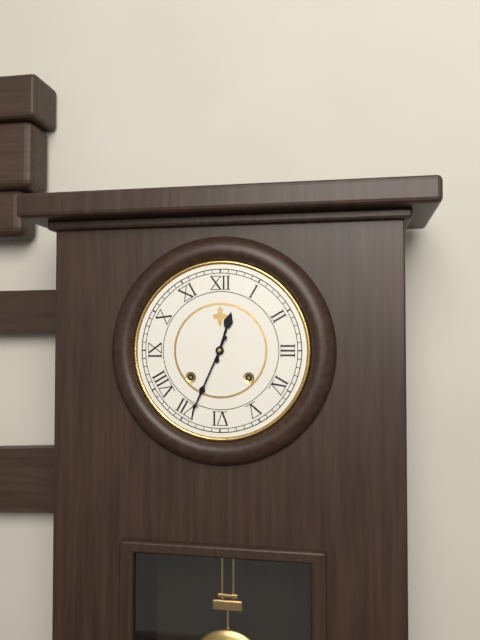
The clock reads h=12 m=34
